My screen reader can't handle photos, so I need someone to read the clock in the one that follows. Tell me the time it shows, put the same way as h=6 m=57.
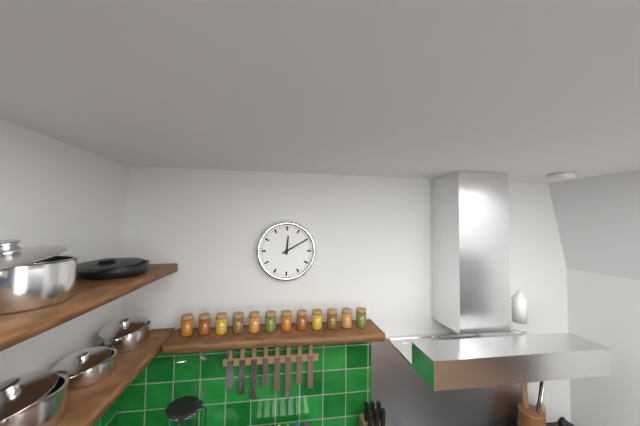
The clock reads h=12 m=10
